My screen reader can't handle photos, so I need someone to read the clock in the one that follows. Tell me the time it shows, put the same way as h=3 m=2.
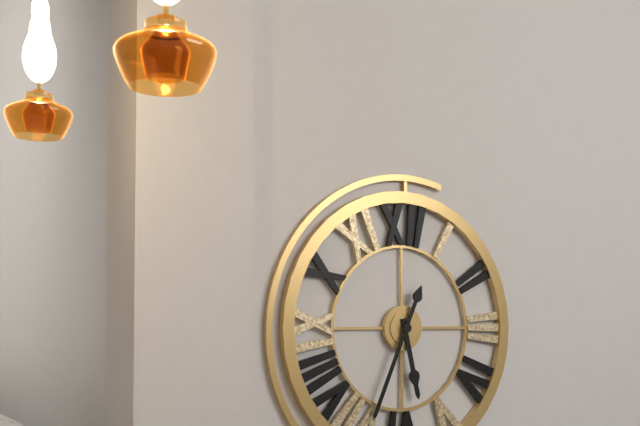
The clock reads h=5 m=34
